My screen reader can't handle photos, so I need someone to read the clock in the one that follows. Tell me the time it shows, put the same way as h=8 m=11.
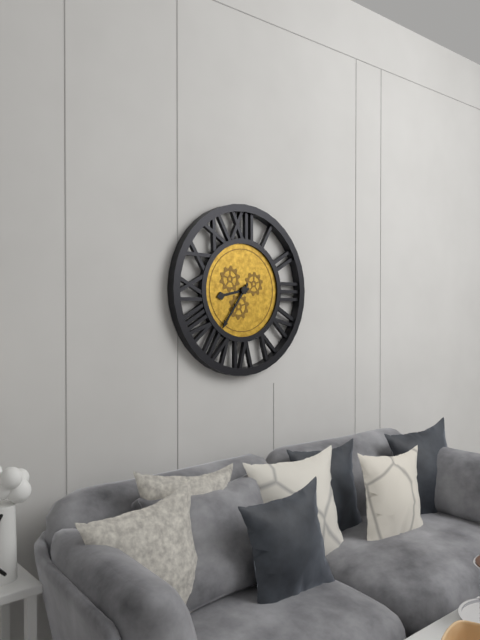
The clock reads h=8 m=36
